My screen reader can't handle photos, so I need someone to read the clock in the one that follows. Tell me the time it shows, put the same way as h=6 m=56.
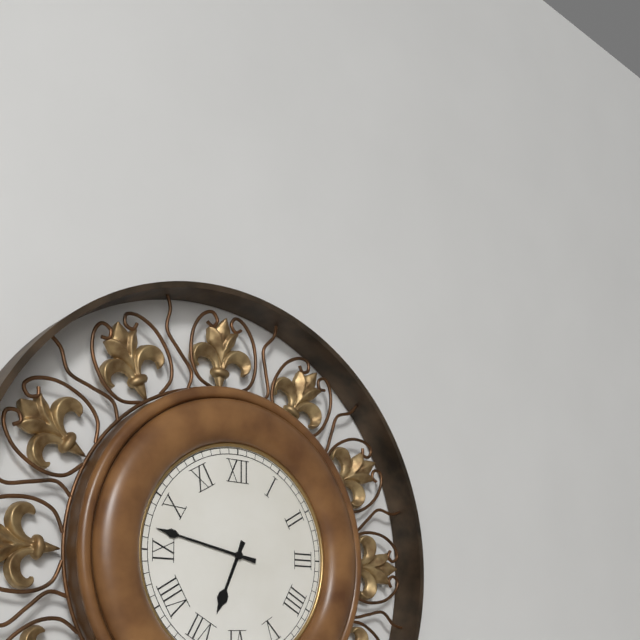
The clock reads h=6 m=47
